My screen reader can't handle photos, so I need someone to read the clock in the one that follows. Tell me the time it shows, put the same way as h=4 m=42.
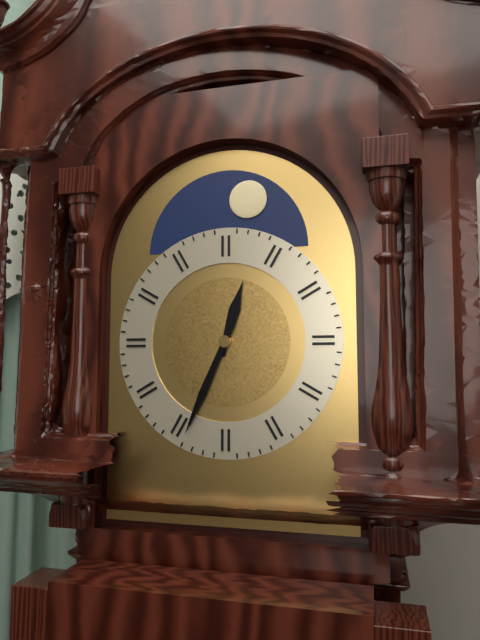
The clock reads h=12 m=34
